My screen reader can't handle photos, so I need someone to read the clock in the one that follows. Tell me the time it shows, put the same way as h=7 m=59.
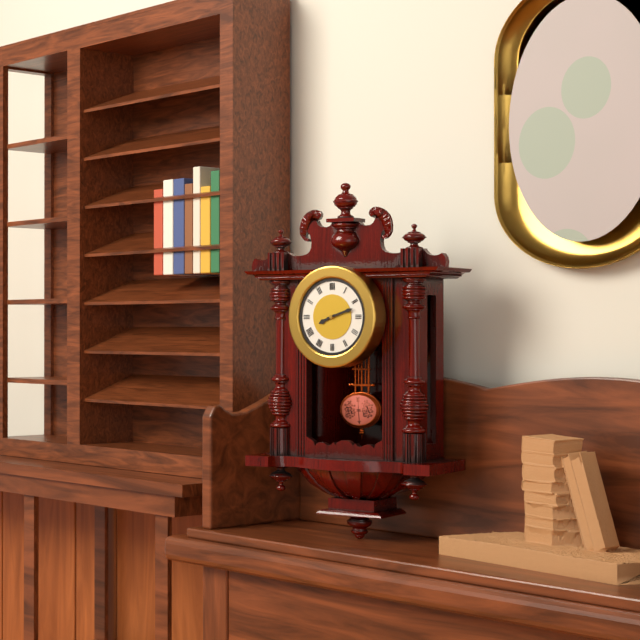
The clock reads h=8 m=12
